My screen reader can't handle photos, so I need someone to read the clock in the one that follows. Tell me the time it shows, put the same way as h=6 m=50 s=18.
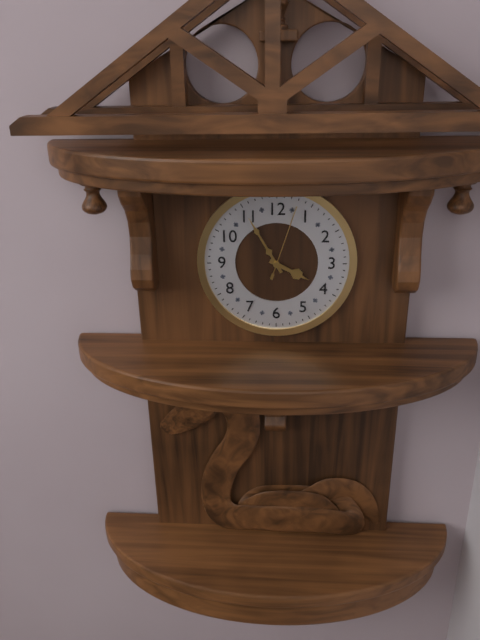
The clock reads h=3 m=55 s=3
